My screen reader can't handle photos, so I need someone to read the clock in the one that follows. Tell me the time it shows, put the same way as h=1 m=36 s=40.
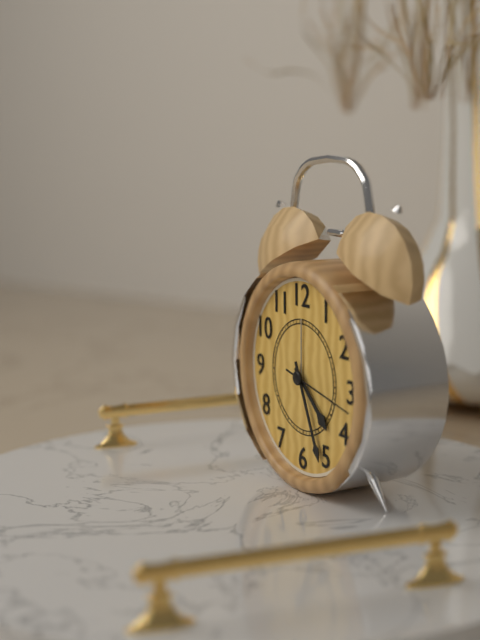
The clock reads h=4 m=26 s=17
